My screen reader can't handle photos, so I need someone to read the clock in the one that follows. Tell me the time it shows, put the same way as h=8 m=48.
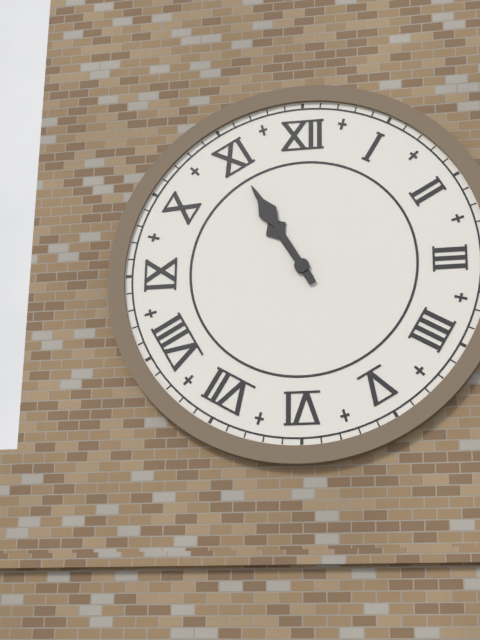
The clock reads h=10 m=55
